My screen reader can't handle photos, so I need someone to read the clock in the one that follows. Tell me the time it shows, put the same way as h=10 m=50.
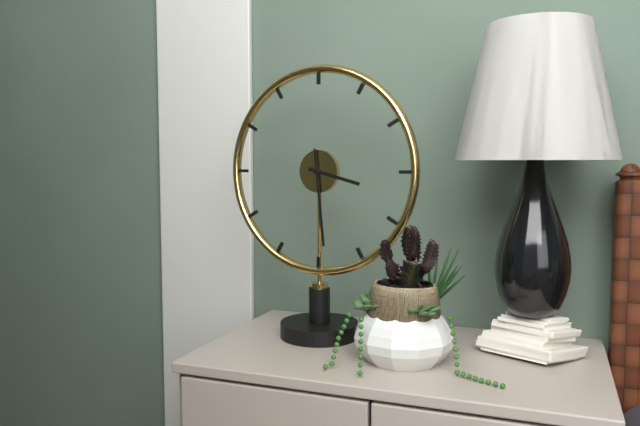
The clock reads h=3 m=29
